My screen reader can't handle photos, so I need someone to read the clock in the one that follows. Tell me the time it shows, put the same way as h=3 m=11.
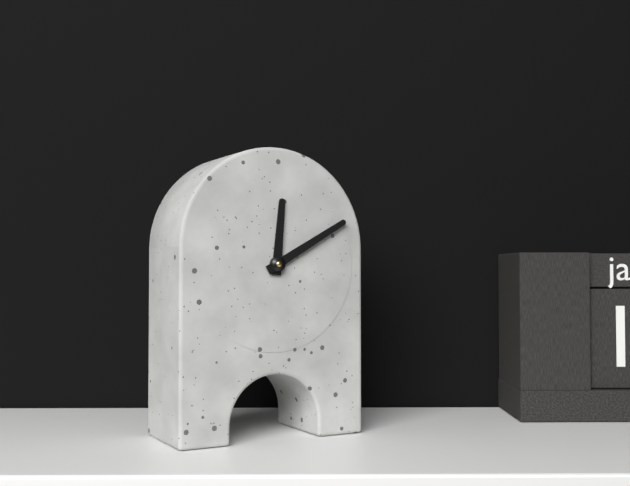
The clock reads h=12 m=10
